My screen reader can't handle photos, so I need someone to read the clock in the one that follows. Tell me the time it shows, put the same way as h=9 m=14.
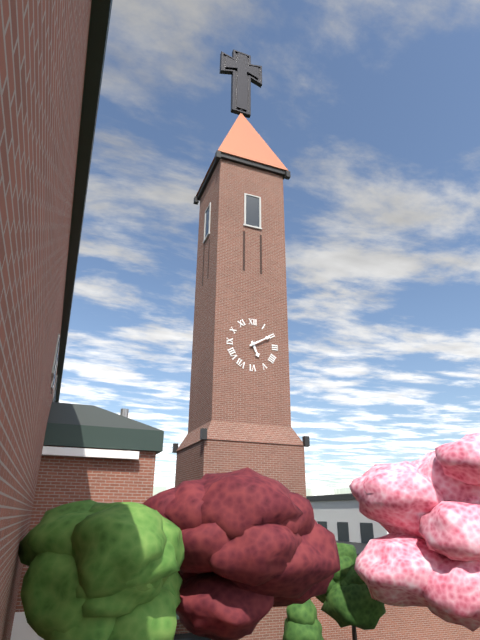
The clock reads h=5 m=10
